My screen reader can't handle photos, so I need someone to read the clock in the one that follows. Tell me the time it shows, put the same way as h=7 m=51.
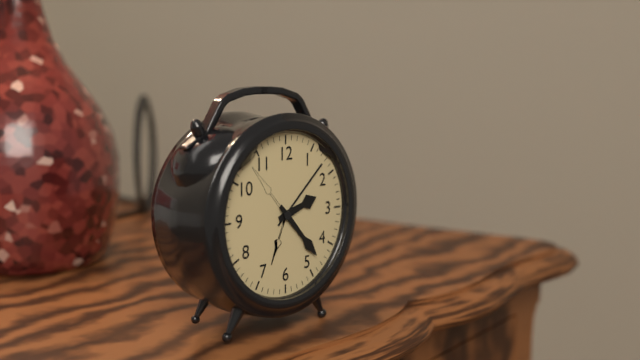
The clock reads h=2 m=23
